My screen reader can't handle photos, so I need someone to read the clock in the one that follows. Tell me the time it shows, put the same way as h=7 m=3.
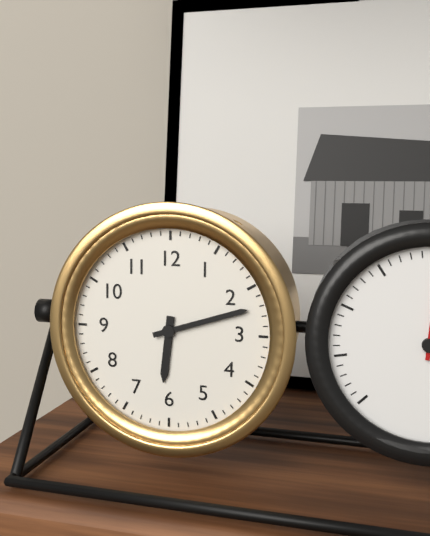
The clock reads h=6 m=12
